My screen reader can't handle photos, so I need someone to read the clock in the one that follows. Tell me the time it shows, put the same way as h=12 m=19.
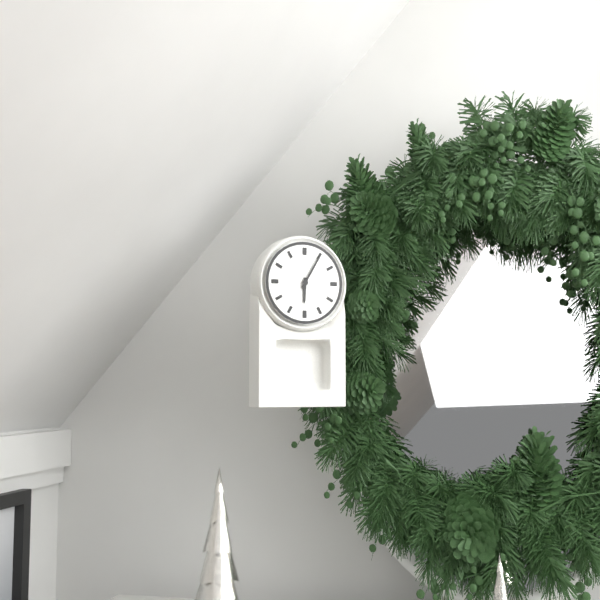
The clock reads h=6 m=5
